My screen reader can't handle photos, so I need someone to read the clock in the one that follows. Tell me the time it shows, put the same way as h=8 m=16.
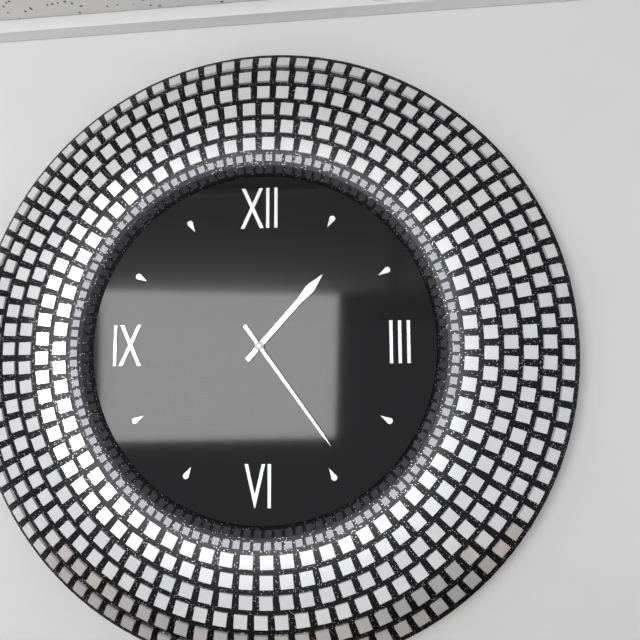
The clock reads h=1 m=24
